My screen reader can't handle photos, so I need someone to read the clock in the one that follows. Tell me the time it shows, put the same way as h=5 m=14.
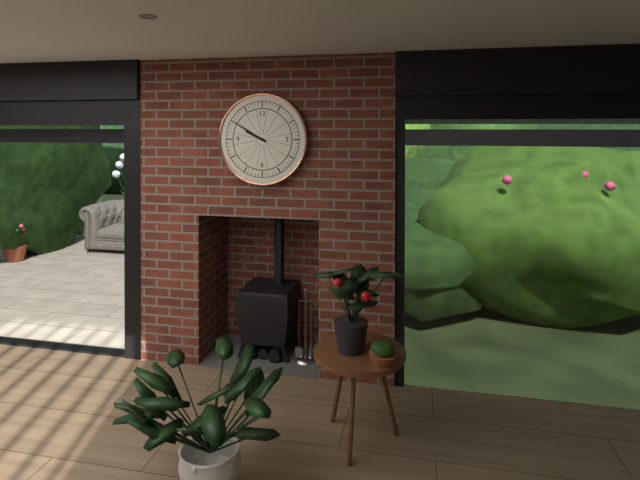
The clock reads h=9 m=50
